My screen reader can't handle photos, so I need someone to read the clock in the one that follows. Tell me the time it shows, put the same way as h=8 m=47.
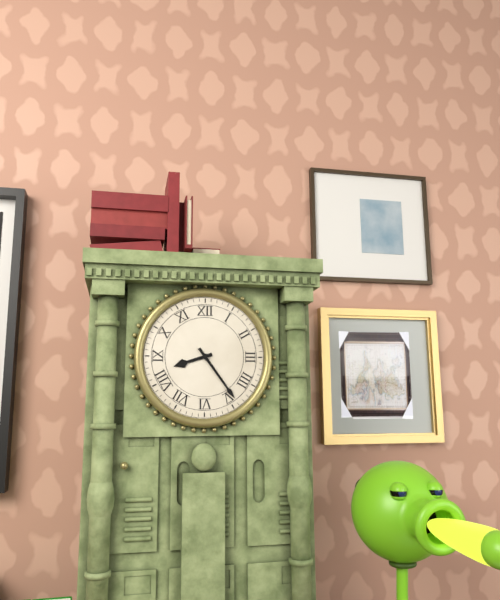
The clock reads h=8 m=24
